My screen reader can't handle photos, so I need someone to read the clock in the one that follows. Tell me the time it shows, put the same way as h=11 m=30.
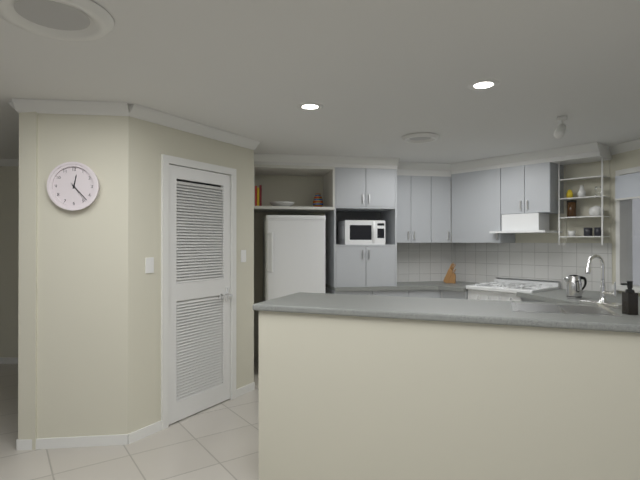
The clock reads h=12 m=23
